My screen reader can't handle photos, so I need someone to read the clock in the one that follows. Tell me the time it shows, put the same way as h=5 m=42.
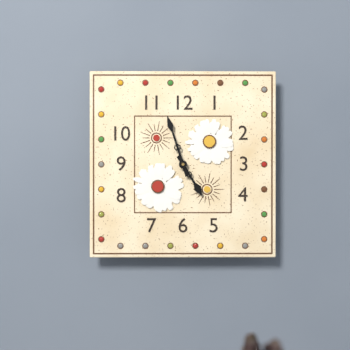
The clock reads h=4 m=57
